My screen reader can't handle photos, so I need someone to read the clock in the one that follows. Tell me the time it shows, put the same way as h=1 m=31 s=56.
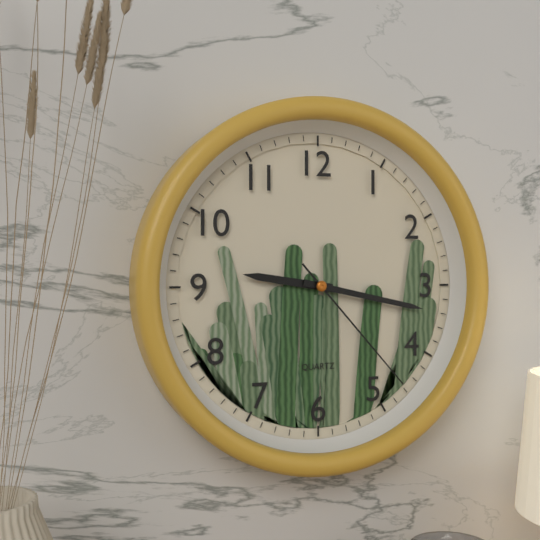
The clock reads h=9 m=17 s=23
